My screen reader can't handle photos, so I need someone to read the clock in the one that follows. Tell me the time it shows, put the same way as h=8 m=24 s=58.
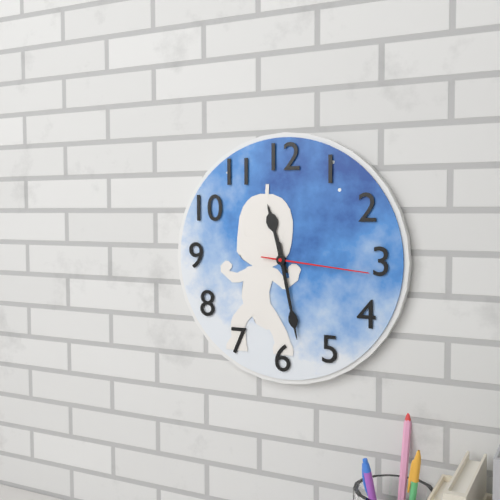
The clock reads h=11 m=28 s=16
